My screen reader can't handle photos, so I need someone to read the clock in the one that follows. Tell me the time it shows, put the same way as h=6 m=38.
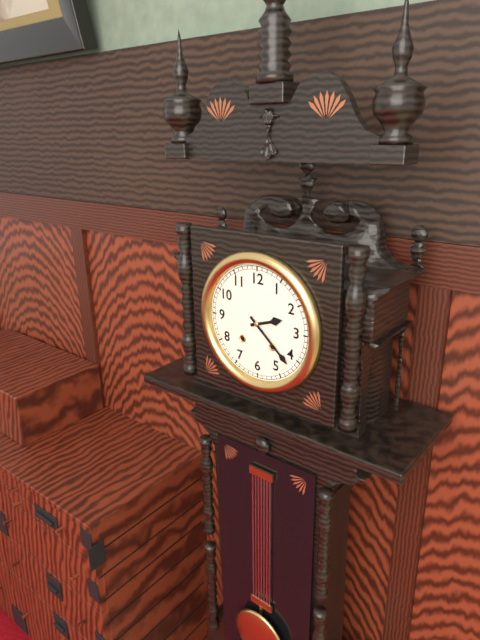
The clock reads h=2 m=22
